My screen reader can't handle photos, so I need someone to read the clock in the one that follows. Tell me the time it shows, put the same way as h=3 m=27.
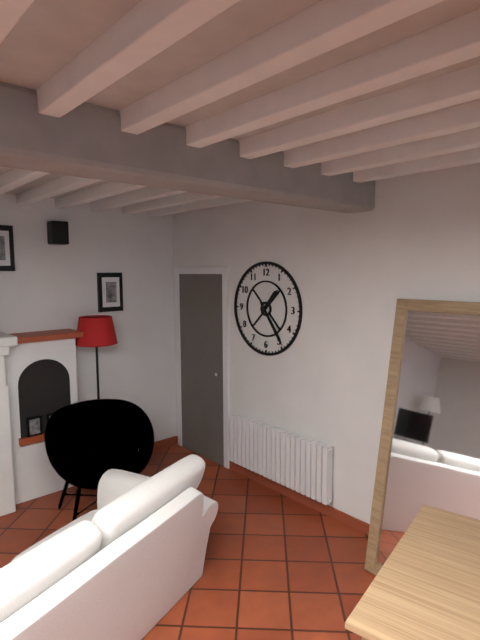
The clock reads h=1 m=24
